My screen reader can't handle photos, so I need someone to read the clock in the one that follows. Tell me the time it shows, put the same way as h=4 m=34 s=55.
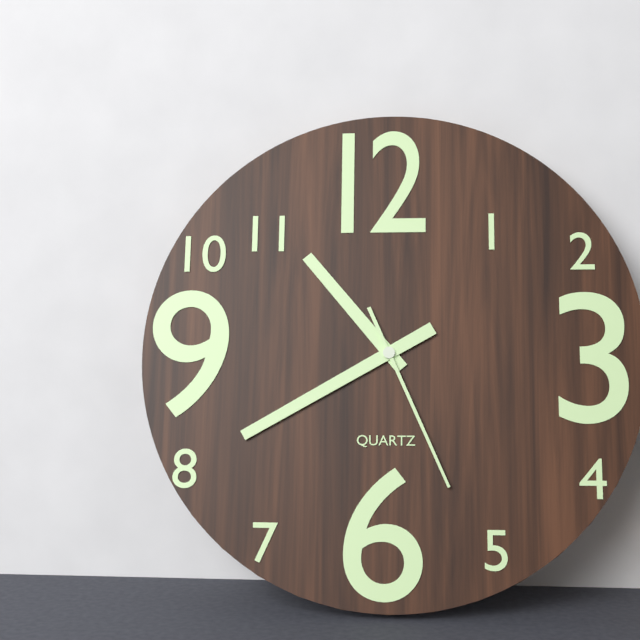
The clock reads h=10 m=40 s=26
